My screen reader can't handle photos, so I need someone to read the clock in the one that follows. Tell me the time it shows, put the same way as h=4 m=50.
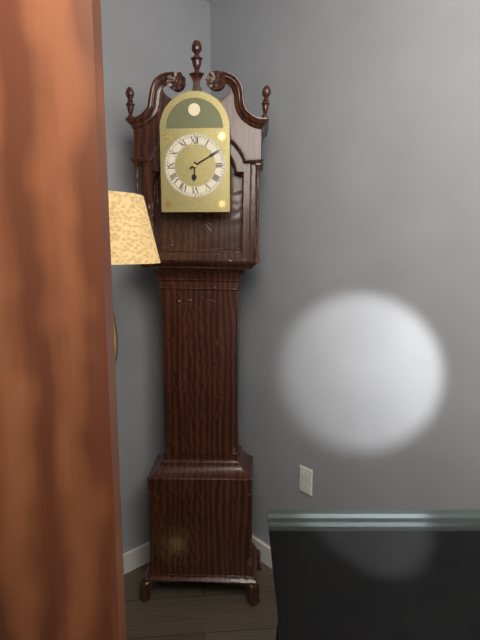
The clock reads h=6 m=10
